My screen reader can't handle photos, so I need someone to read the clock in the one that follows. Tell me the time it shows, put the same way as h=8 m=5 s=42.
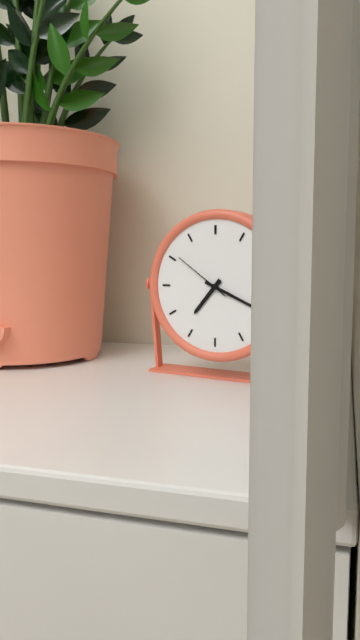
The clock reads h=7 m=19 s=51
